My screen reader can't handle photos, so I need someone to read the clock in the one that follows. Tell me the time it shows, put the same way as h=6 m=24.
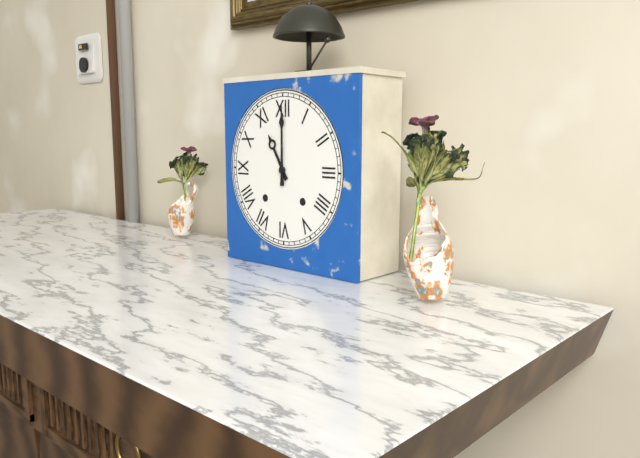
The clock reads h=11 m=0
